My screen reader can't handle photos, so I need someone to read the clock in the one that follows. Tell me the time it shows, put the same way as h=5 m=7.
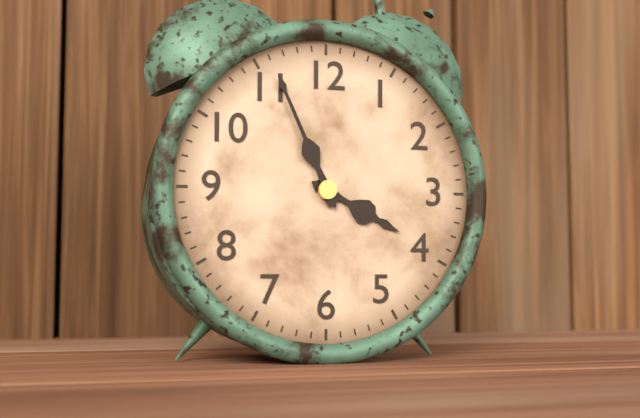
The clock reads h=3 m=56
